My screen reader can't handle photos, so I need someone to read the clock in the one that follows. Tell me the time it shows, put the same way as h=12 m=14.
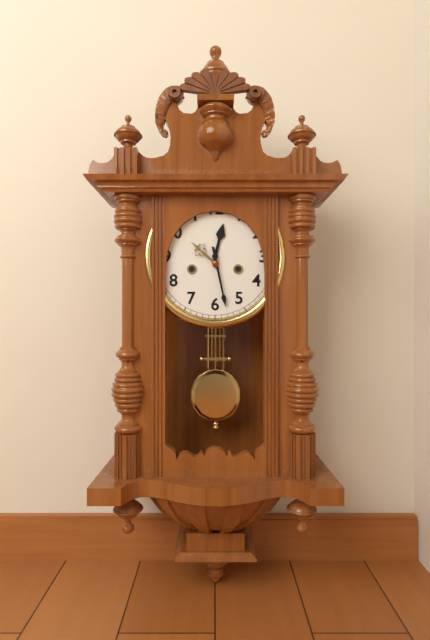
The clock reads h=12 m=28
